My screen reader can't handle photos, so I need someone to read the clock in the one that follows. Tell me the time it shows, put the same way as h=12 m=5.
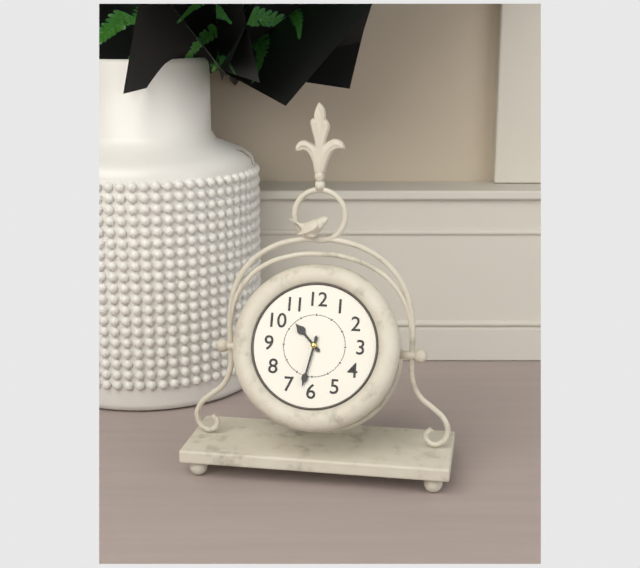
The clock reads h=10 m=32
